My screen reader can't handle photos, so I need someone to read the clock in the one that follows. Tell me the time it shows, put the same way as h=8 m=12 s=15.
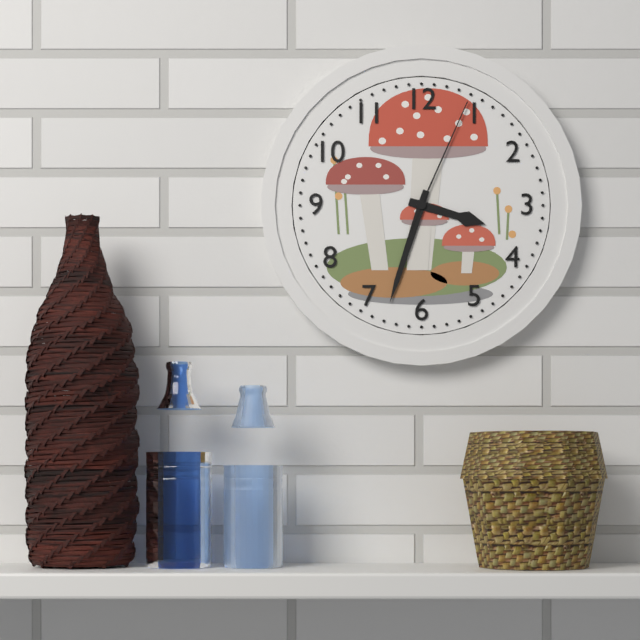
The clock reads h=3 m=33 s=4
